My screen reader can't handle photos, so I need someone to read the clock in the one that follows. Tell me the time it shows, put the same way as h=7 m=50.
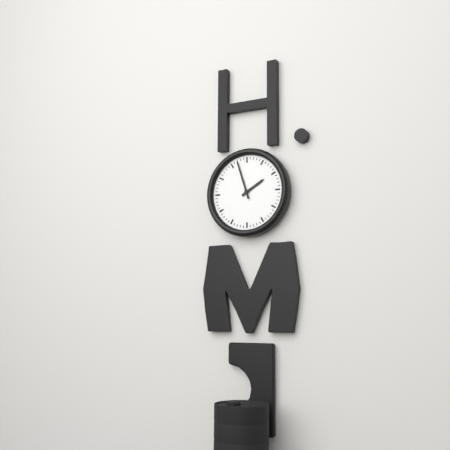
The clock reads h=1 m=57
